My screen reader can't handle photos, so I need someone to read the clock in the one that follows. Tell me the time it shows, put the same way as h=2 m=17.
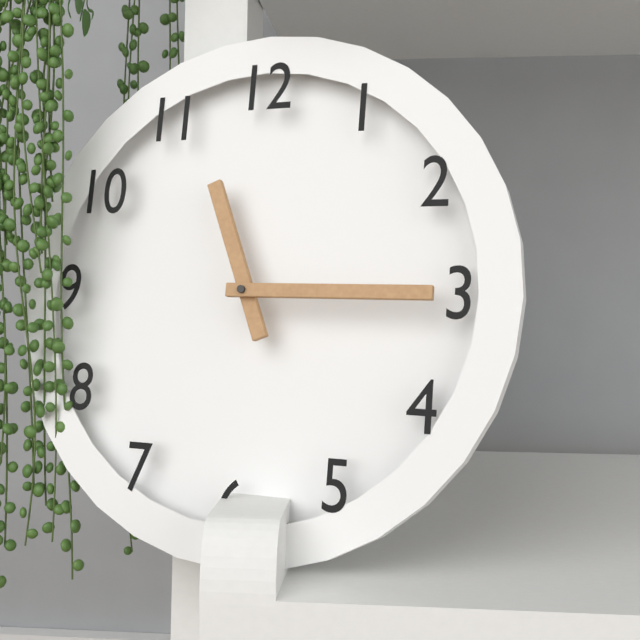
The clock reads h=11 m=15
